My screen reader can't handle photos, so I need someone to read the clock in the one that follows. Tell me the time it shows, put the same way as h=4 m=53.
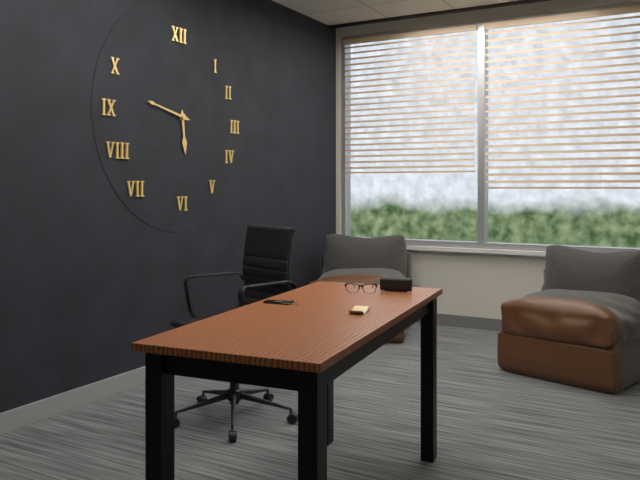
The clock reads h=5 m=47
